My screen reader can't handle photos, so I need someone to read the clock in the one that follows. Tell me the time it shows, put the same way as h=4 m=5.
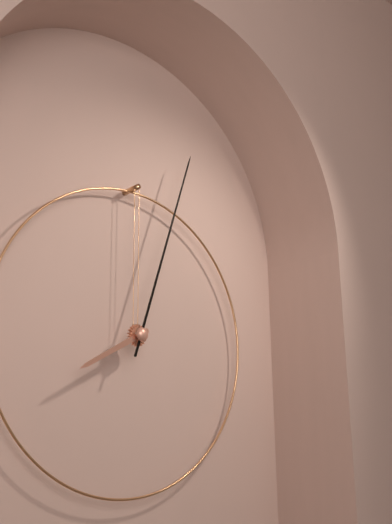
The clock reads h=8 m=3
